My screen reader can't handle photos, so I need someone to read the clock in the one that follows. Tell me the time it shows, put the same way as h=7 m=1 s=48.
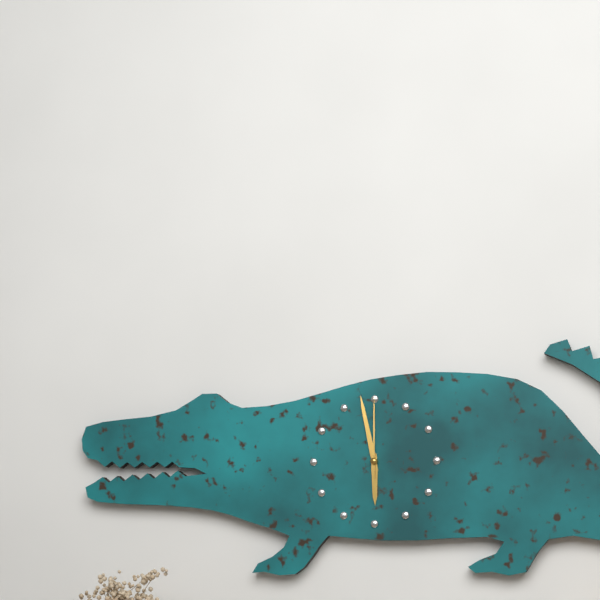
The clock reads h=5 m=58 s=0
